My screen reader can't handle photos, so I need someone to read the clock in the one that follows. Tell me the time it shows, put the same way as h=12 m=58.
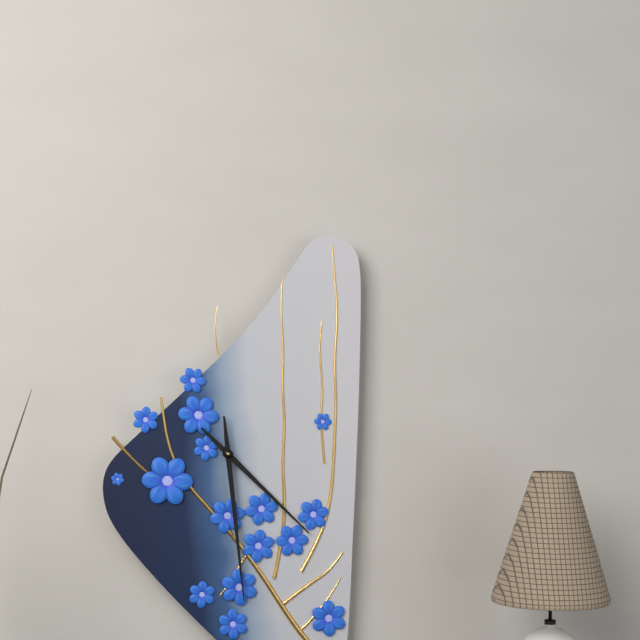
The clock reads h=4 m=29
